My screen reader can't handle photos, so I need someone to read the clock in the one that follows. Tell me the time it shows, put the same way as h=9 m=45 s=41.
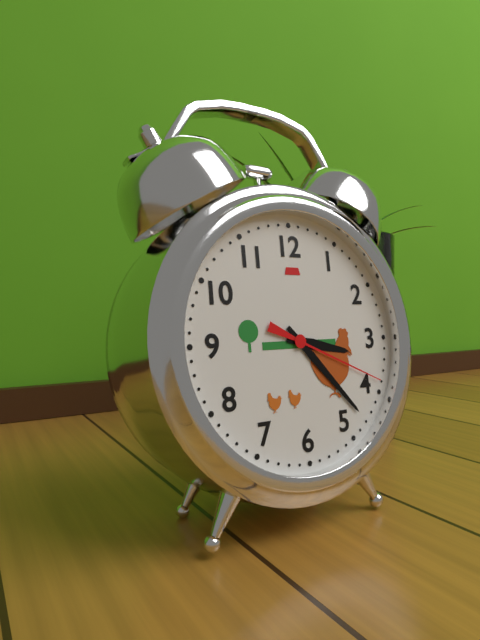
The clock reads h=3 m=23 s=19
